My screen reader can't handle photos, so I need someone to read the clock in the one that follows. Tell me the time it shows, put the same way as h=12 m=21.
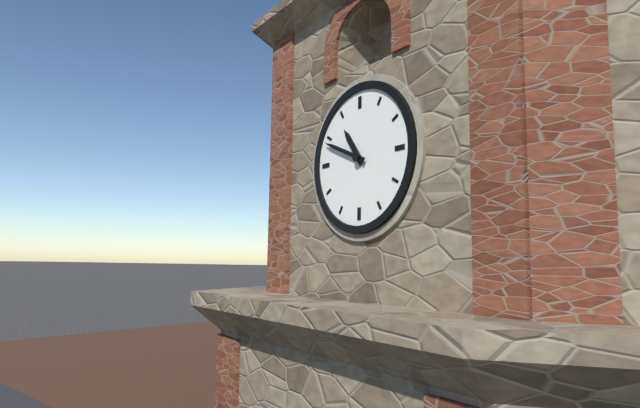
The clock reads h=10 m=49
